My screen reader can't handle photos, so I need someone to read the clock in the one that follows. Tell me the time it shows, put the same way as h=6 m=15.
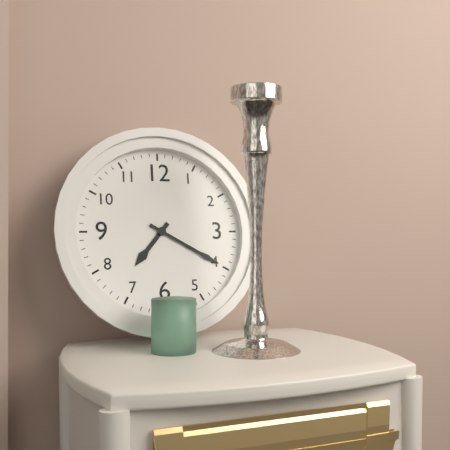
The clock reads h=7 m=20
